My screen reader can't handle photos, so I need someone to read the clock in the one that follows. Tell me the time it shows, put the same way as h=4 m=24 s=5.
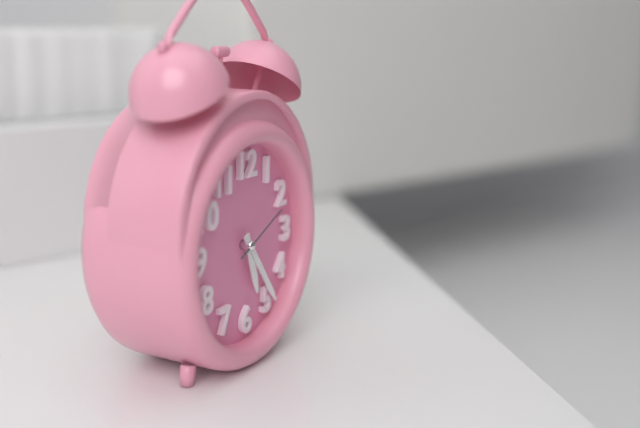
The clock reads h=5 m=24 s=11
